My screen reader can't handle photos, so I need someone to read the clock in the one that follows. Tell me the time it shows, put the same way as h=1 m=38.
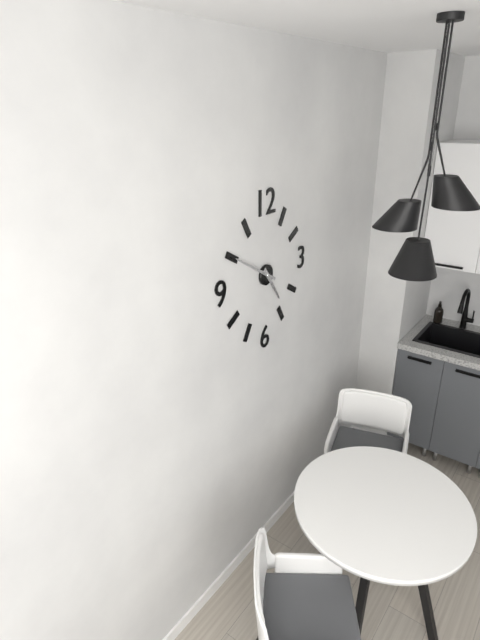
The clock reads h=4 m=50
